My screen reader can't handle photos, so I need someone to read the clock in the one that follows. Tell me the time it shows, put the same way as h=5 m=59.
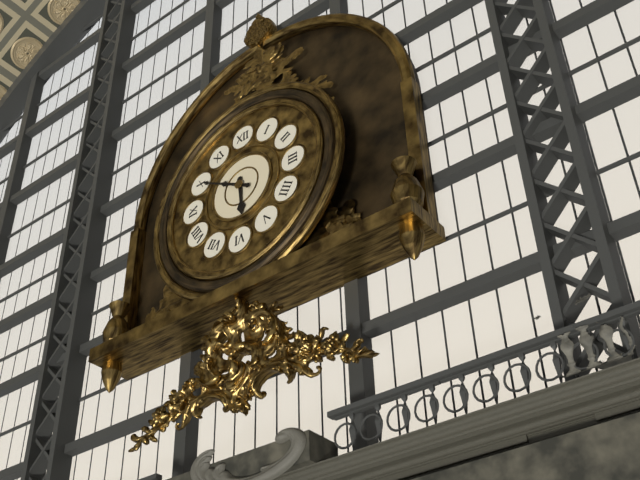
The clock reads h=5 m=50
